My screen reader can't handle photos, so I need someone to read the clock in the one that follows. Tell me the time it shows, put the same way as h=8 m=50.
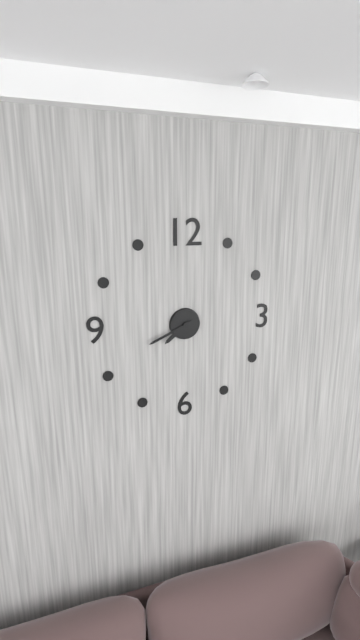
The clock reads h=7 m=41
